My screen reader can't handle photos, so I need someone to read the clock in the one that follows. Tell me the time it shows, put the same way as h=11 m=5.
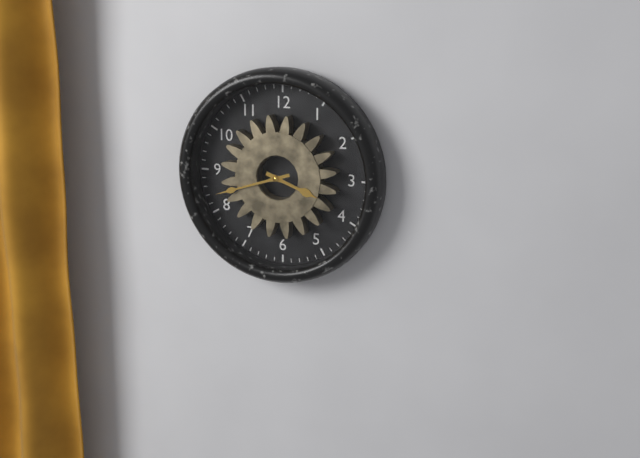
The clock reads h=3 m=42
